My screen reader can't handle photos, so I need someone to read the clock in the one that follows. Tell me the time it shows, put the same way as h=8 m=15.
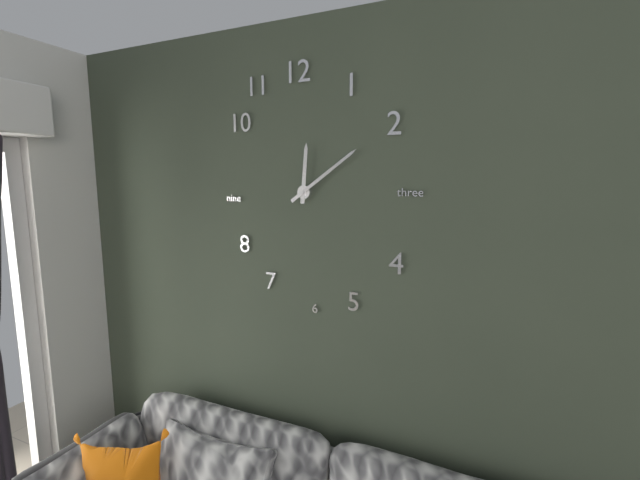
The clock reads h=12 m=9
